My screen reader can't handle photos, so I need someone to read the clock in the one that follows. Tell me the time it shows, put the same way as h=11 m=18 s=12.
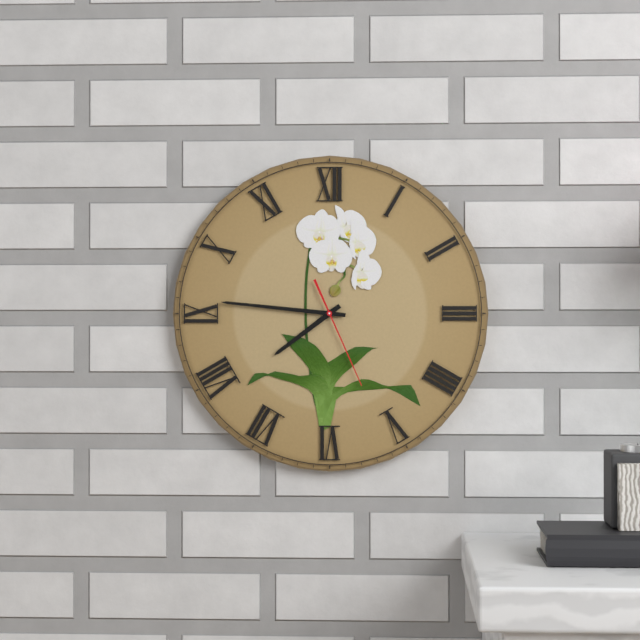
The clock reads h=7 m=46 s=26
